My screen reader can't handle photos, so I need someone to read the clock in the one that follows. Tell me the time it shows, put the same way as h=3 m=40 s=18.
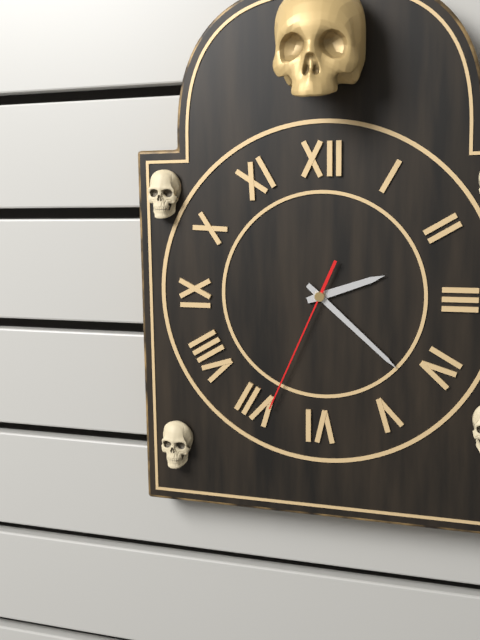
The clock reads h=2 m=22 s=34
